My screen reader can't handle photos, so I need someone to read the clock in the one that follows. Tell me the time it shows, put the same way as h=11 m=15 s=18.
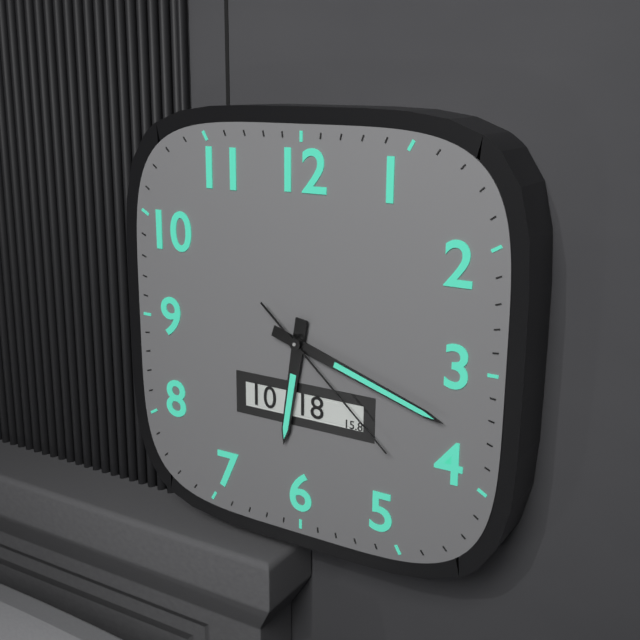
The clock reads h=6 m=18 s=22
